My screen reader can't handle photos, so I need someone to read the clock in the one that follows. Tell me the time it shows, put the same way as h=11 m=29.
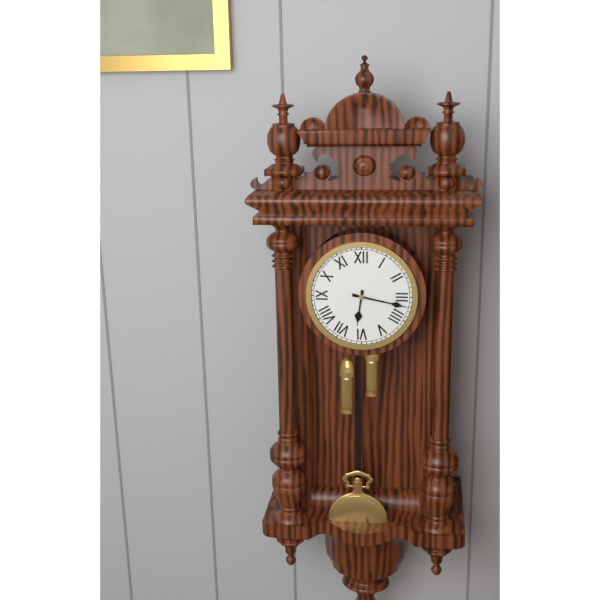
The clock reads h=6 m=17
